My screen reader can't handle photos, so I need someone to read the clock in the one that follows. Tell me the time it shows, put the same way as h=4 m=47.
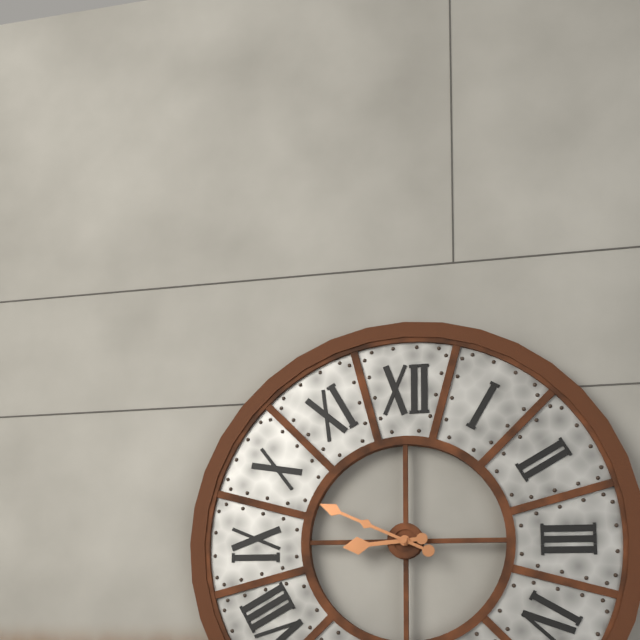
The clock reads h=8 m=49
